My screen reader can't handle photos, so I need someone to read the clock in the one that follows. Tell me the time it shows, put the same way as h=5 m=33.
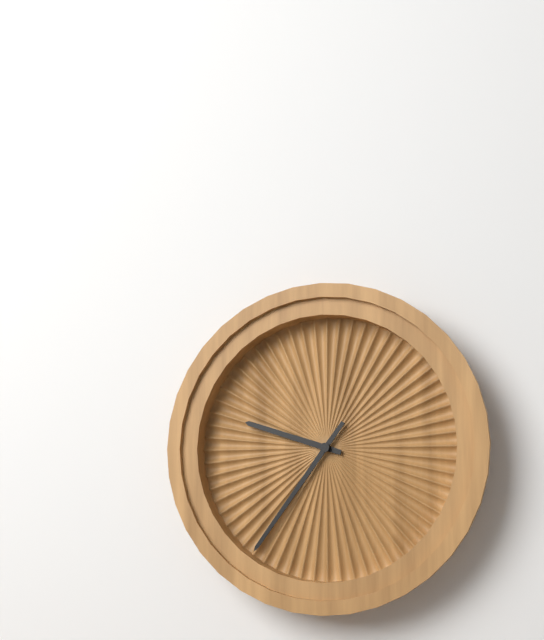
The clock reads h=9 m=36
